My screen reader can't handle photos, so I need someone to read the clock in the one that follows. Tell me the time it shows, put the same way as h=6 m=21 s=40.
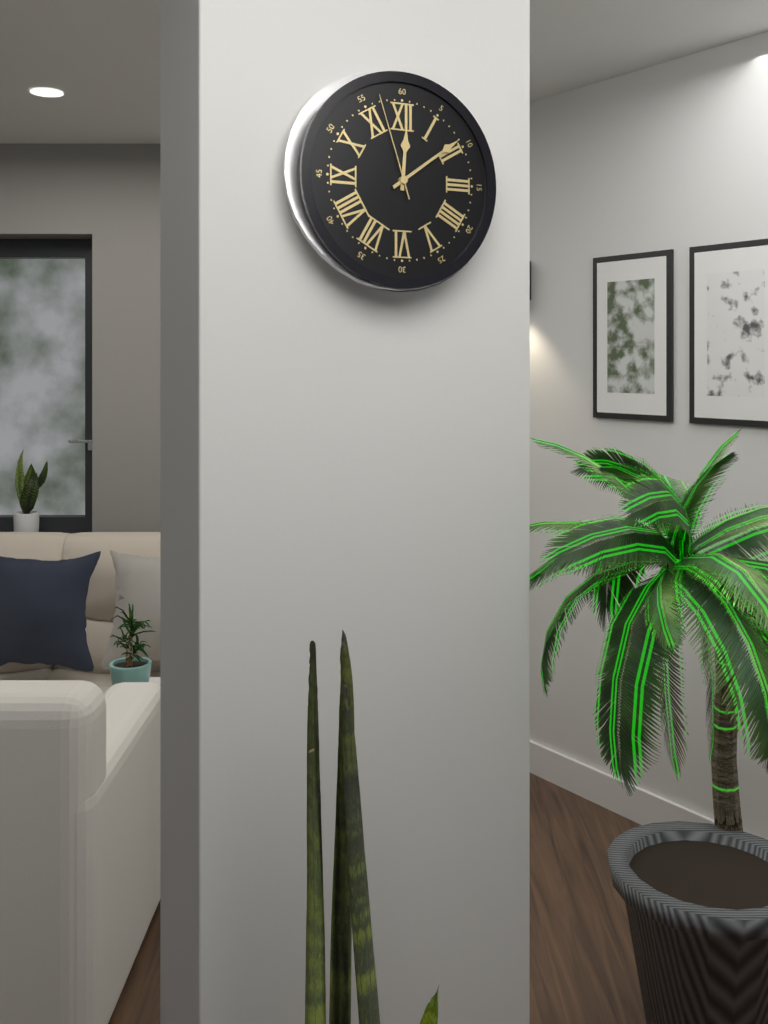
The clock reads h=12 m=9 s=57
